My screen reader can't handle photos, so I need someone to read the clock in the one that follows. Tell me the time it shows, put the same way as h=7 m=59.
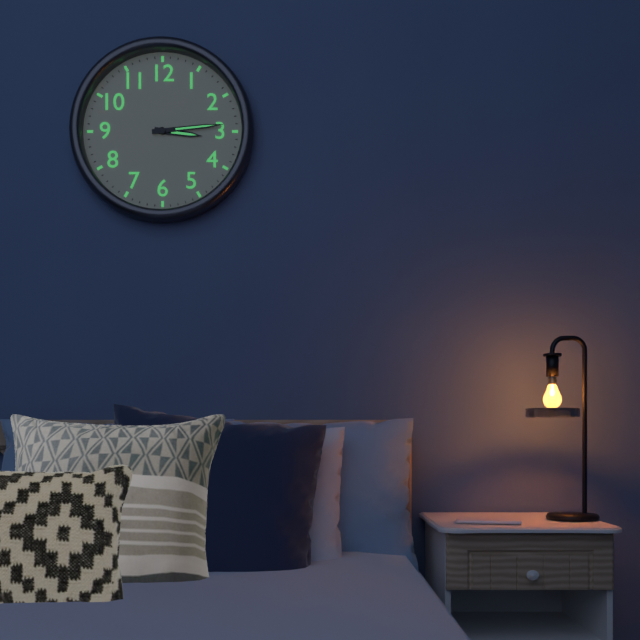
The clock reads h=3 m=14
